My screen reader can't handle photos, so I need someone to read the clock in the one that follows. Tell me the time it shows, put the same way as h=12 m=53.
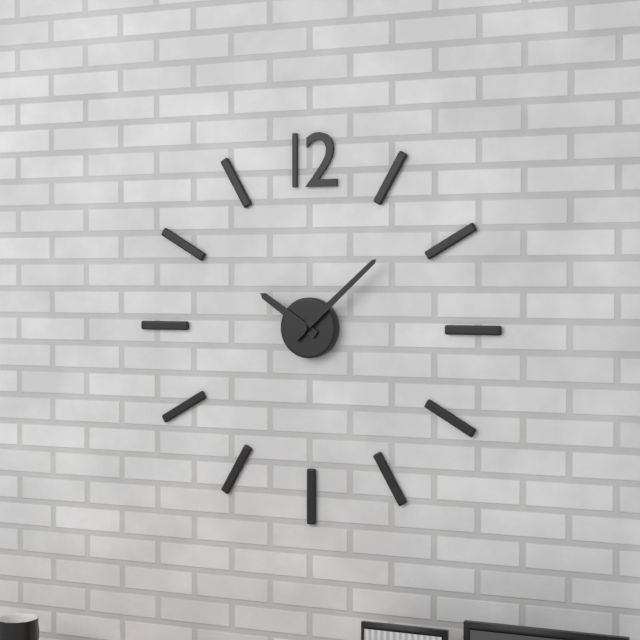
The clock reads h=10 m=8
